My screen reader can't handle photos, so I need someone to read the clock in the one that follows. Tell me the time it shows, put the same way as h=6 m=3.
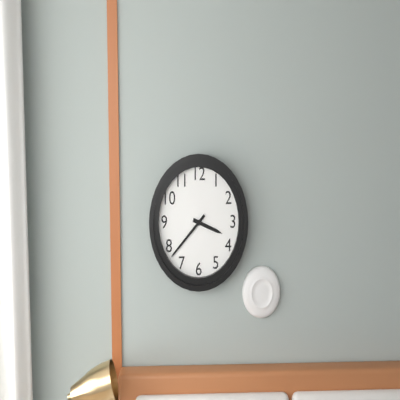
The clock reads h=3 m=38
